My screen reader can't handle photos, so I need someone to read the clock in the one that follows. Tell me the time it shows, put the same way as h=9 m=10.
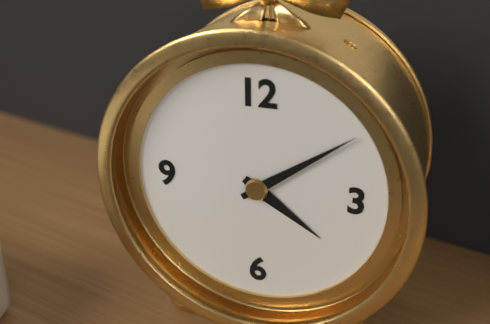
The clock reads h=4 m=9
